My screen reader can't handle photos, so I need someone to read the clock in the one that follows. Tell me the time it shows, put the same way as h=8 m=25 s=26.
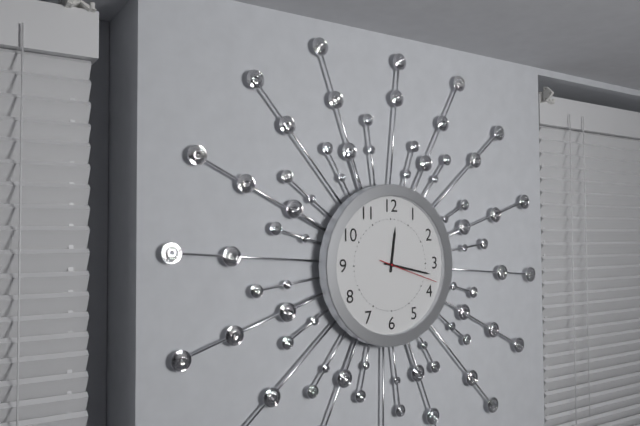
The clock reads h=12 m=17 s=18
